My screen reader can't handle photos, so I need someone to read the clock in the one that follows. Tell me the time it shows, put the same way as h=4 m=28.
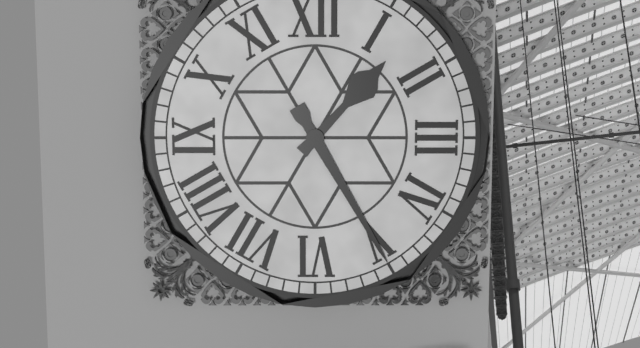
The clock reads h=1 m=25
